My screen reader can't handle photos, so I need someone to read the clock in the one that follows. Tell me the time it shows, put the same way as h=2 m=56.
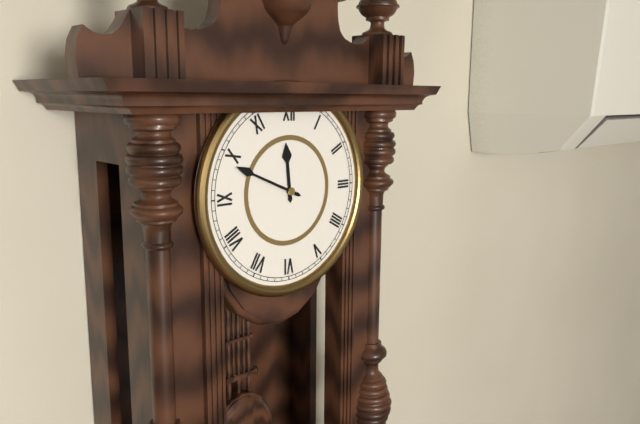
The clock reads h=11 m=49
